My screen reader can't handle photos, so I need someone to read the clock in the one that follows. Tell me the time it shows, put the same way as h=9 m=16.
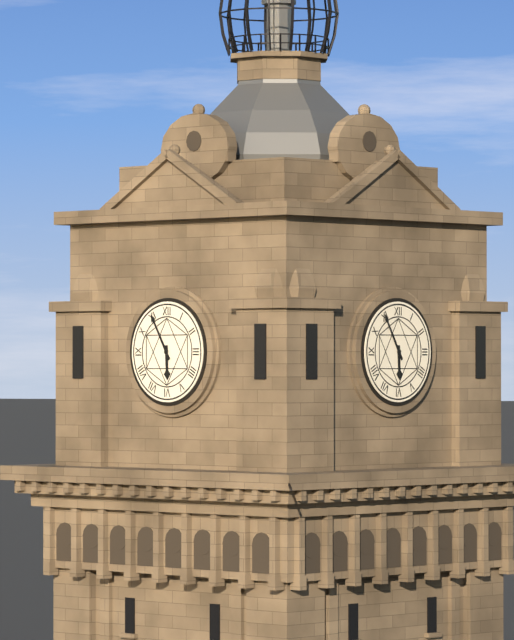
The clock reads h=5 m=55
